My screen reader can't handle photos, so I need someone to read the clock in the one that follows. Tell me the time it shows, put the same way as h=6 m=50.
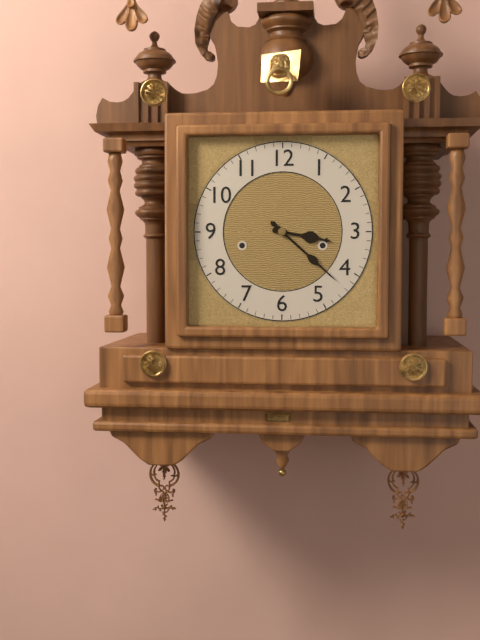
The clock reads h=3 m=22
